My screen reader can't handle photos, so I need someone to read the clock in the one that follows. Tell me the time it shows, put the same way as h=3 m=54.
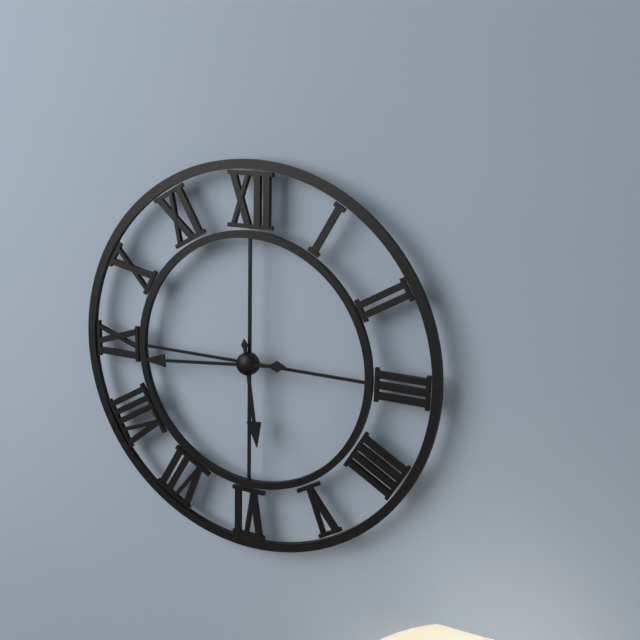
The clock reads h=5 m=44
